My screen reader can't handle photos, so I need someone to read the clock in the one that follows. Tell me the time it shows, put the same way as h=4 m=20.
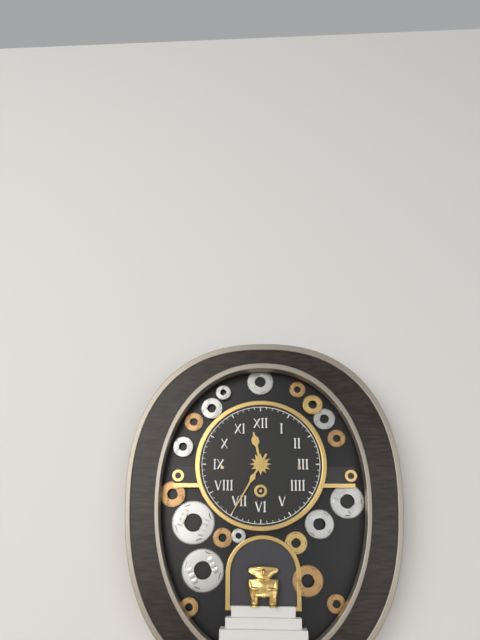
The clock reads h=11 m=35
